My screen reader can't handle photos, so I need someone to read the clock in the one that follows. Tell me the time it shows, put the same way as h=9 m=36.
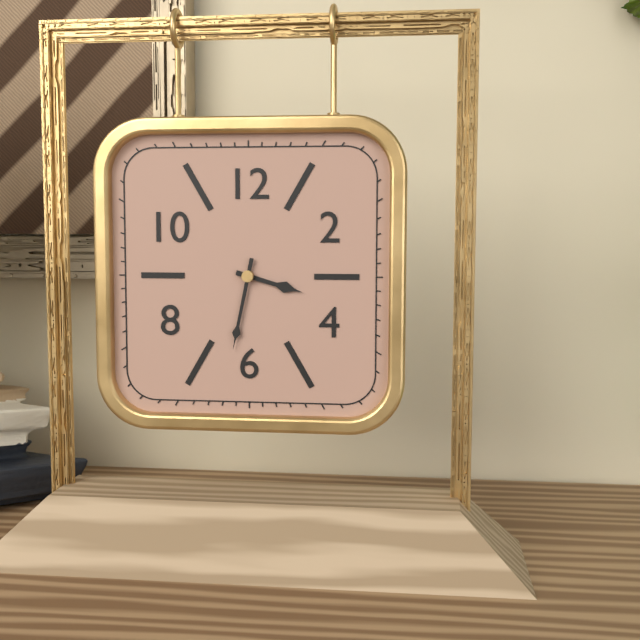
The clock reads h=3 m=32
